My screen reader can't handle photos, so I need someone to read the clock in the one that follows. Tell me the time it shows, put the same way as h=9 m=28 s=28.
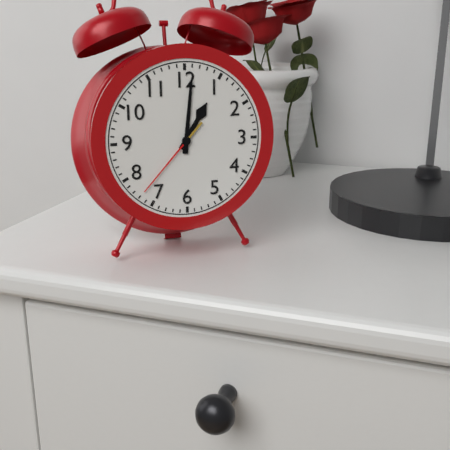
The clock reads h=1 m=1 s=37
